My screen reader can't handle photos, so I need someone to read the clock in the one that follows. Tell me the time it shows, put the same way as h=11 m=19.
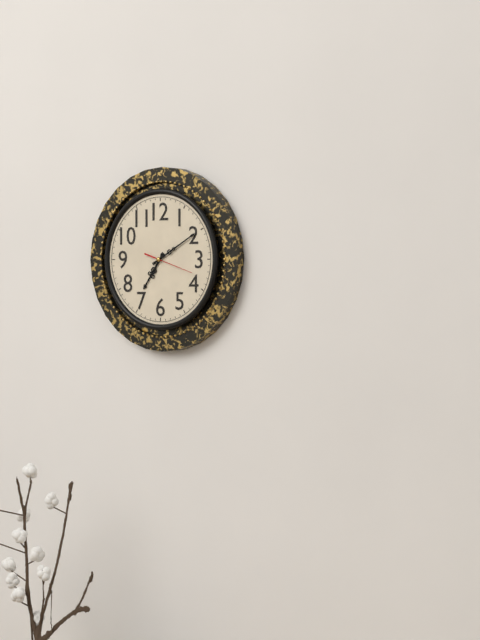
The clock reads h=7 m=10
